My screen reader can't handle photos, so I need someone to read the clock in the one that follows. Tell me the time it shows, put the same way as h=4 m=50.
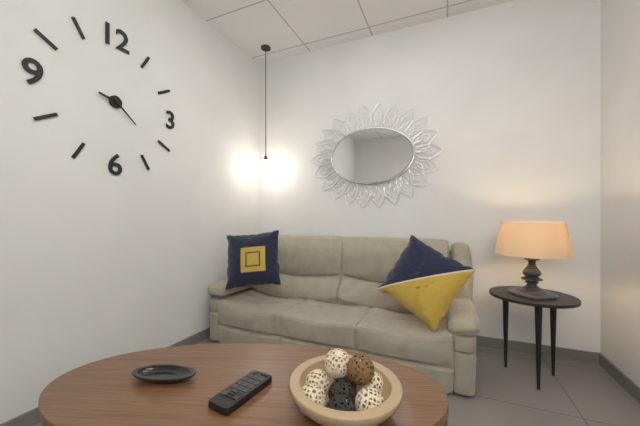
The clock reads h=9 m=22
